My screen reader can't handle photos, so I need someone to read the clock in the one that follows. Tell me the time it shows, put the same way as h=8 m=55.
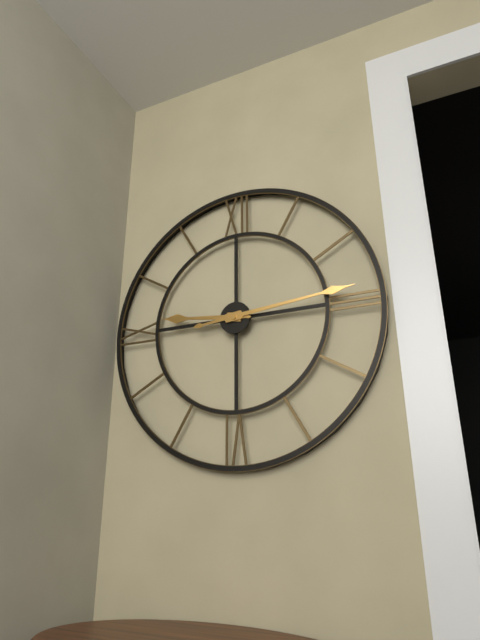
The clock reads h=9 m=14
